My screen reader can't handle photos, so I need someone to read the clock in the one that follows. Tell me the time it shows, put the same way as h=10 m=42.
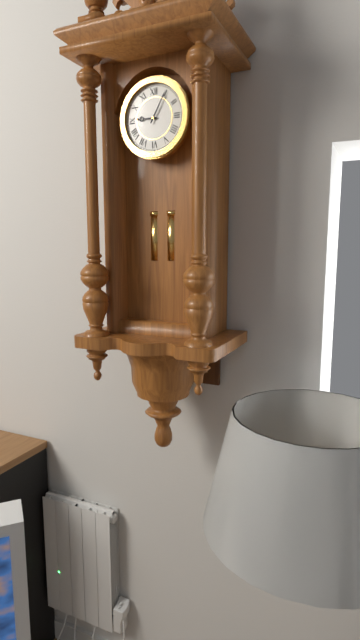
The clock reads h=9 m=5
